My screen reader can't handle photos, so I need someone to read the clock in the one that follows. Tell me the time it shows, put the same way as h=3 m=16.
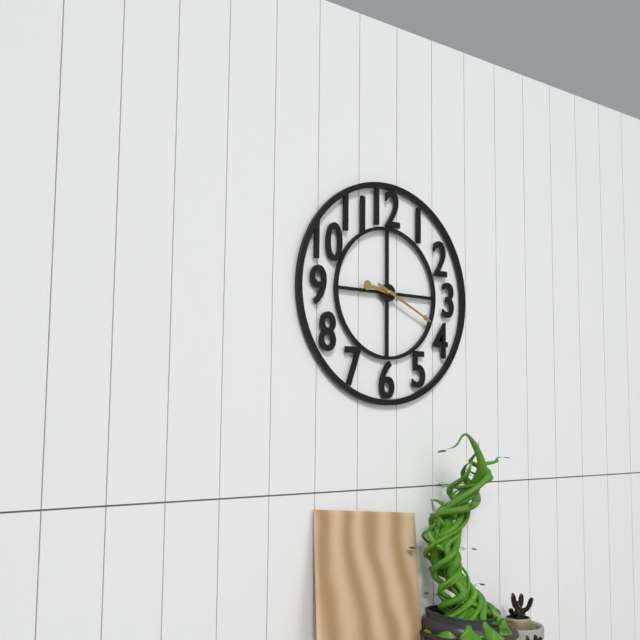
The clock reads h=9 m=19
